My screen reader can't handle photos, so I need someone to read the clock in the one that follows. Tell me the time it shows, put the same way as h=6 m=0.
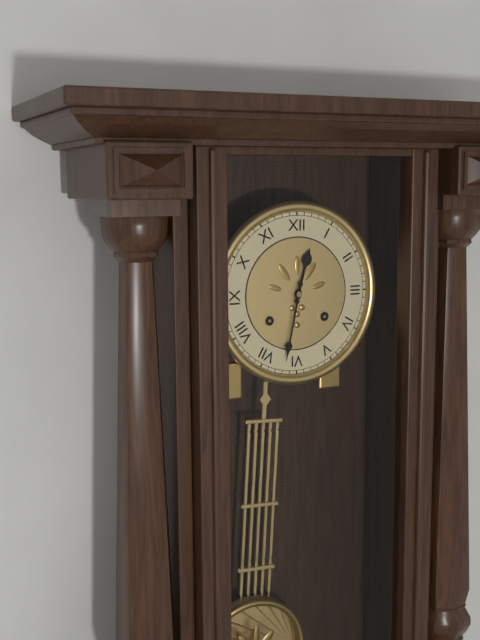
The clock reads h=12 m=32
